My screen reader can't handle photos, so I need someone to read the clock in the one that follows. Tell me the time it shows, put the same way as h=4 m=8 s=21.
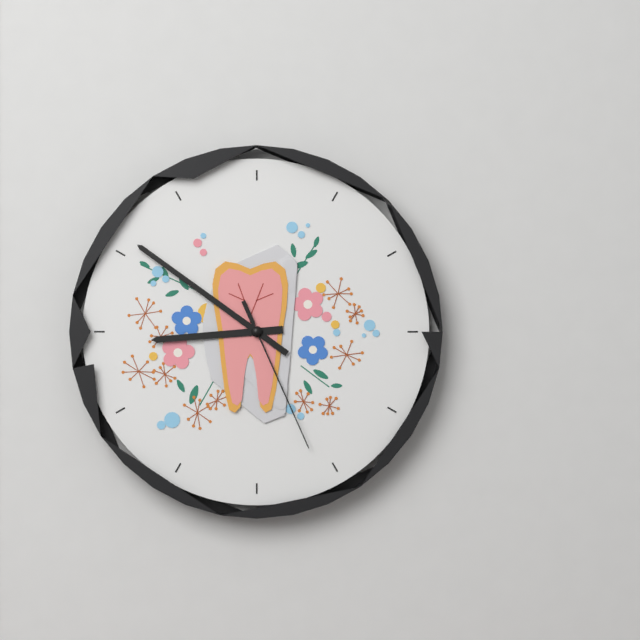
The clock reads h=8 m=51 s=26
